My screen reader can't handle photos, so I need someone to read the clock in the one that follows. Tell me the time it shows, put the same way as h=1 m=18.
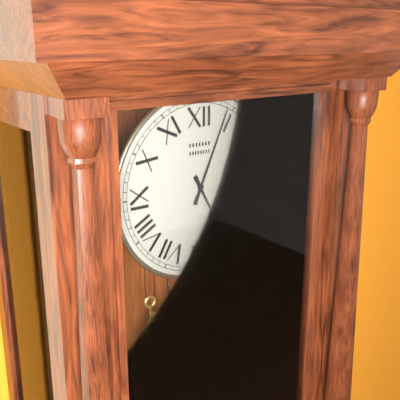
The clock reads h=5 m=4
